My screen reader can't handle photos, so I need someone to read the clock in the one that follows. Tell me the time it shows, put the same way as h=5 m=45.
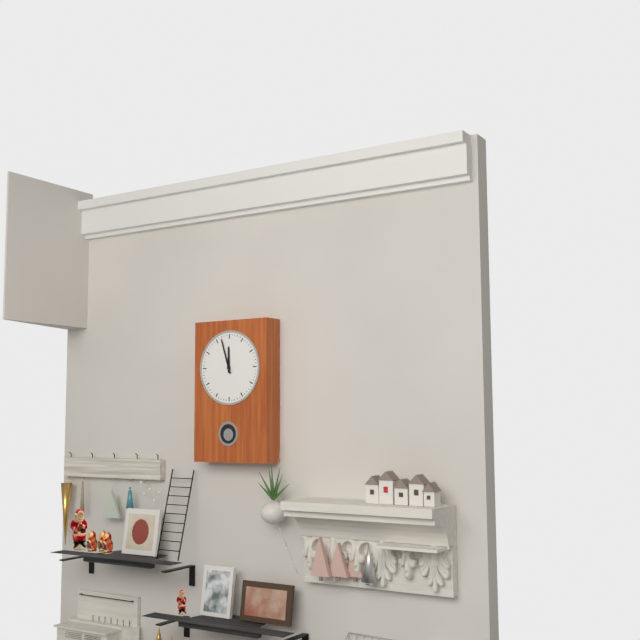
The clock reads h=11 m=57
